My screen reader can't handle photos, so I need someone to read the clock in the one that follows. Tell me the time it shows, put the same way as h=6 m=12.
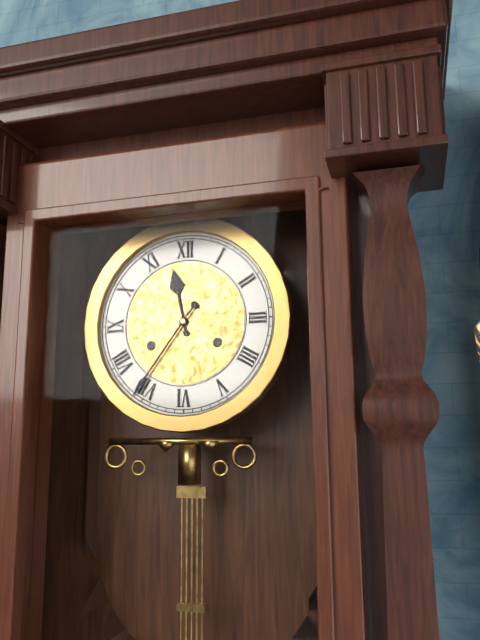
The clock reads h=11 m=36
